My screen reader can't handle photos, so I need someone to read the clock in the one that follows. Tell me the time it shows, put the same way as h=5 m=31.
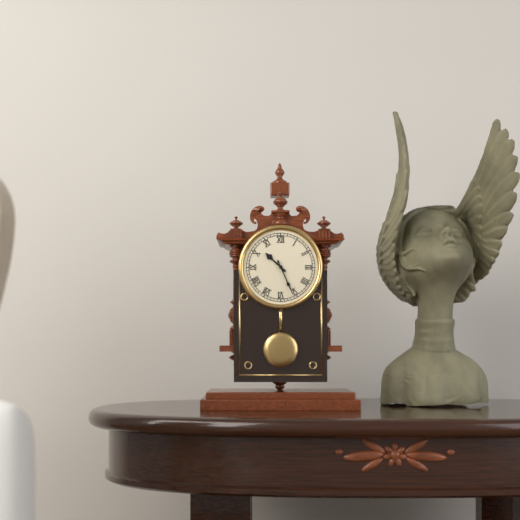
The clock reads h=10 m=26
